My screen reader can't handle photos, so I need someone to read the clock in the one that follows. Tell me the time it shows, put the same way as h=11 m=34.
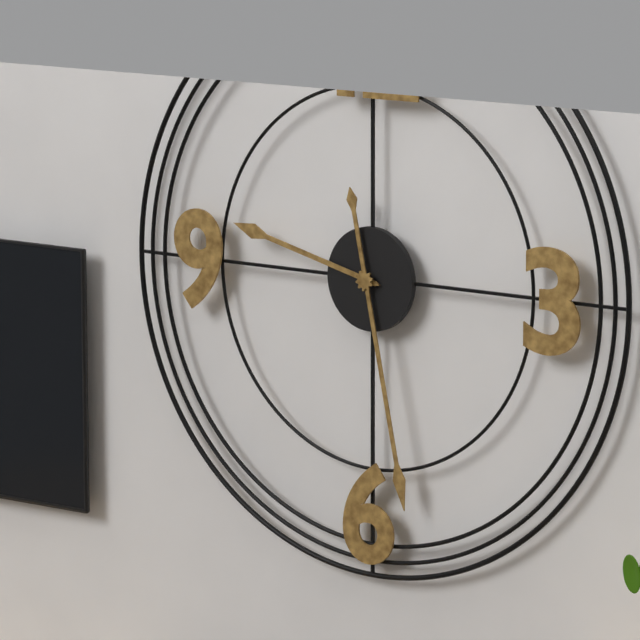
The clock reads h=9 m=28
